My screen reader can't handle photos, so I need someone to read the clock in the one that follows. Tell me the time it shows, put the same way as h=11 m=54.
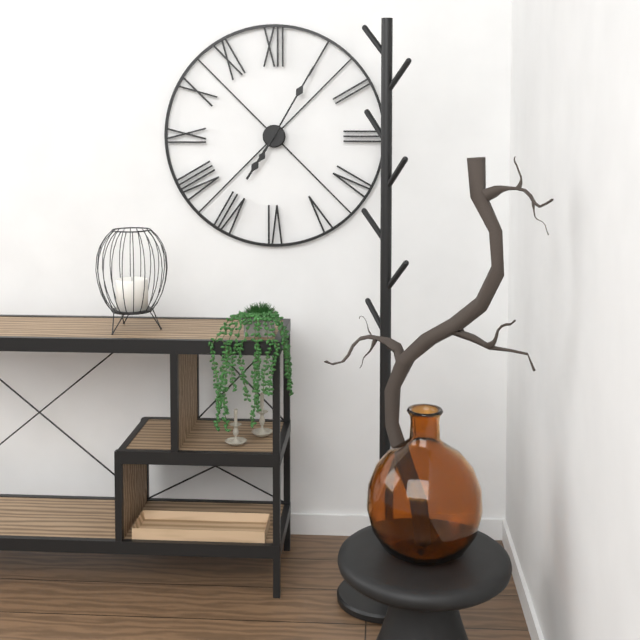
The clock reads h=7 m=5
